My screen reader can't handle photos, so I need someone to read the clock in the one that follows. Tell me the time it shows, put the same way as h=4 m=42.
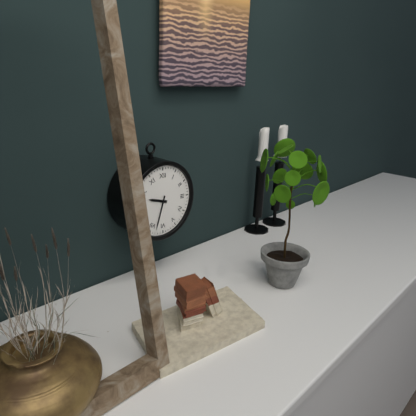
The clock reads h=9 m=33
